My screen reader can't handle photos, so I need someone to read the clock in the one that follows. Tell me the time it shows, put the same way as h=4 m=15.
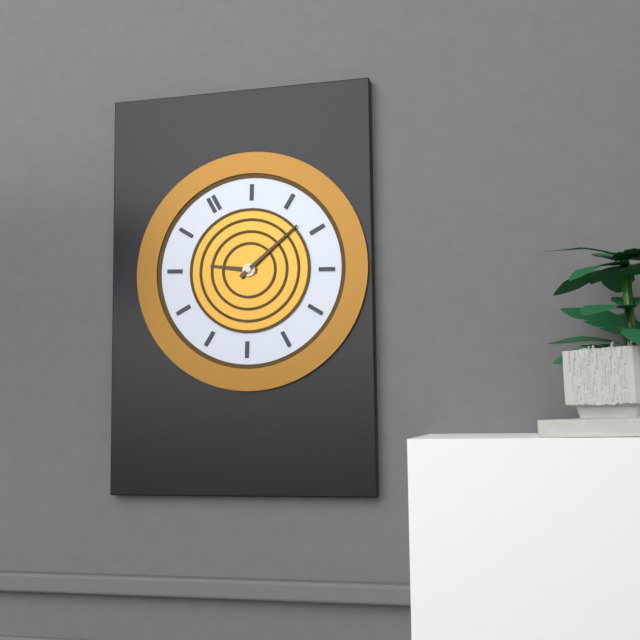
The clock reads h=10 m=13
